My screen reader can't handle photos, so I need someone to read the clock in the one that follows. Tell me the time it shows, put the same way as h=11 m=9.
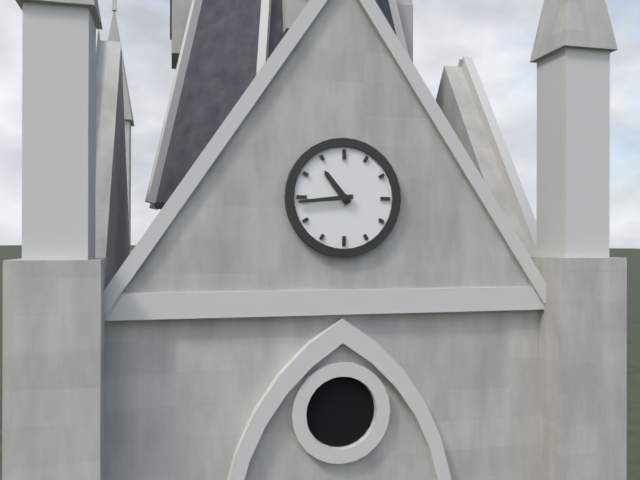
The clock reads h=10 m=44
